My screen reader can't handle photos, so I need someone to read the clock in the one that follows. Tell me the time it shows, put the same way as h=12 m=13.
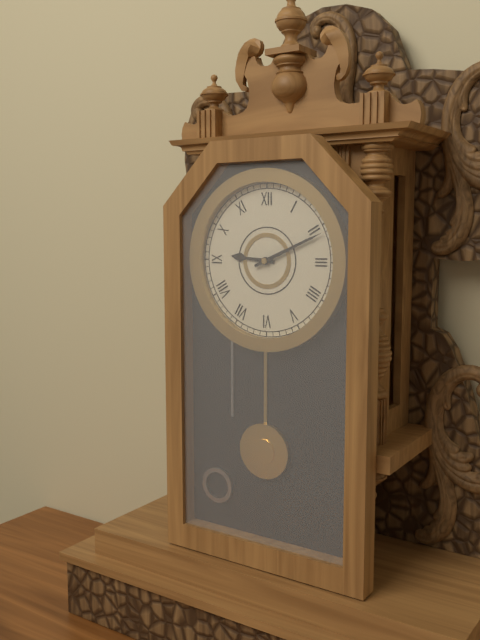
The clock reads h=9 m=11
